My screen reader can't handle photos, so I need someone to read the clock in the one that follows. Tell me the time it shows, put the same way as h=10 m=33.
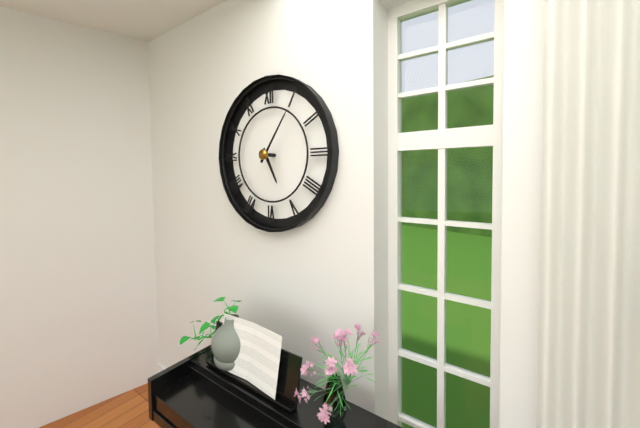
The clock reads h=5 m=6
